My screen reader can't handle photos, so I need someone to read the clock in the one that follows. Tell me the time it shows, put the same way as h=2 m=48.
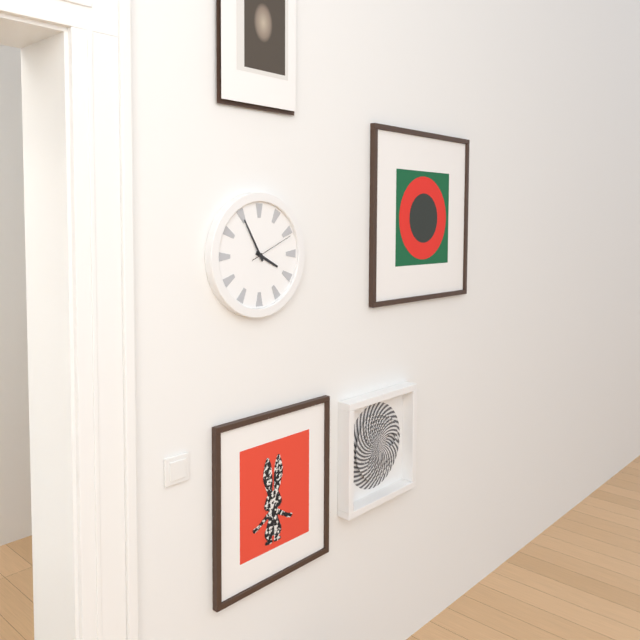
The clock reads h=3 m=55
